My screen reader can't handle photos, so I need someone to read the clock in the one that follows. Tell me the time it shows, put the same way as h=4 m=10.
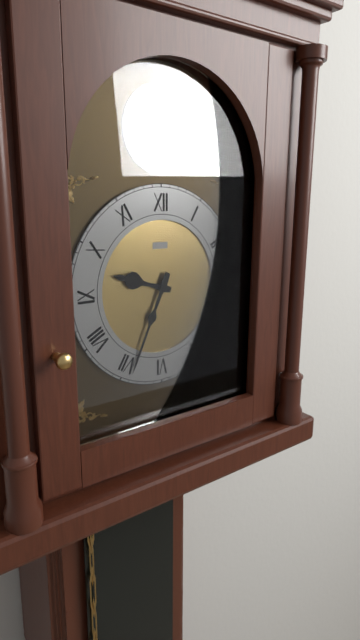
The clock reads h=9 m=34
